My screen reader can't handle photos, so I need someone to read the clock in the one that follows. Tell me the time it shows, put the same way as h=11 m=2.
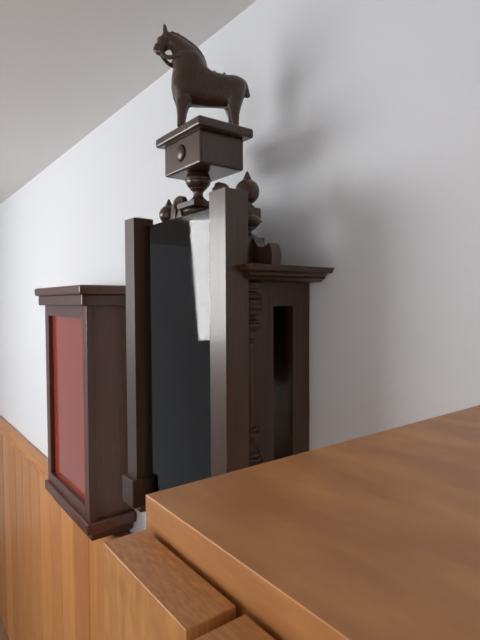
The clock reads h=2 m=32
